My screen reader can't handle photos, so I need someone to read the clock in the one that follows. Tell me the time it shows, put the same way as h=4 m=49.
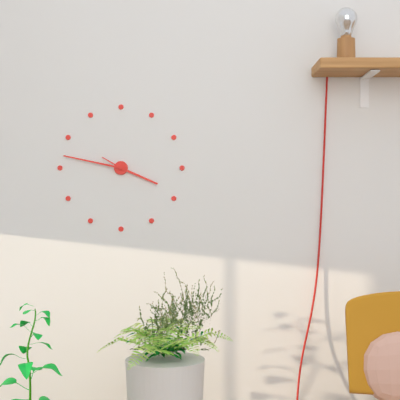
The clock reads h=3 m=47
